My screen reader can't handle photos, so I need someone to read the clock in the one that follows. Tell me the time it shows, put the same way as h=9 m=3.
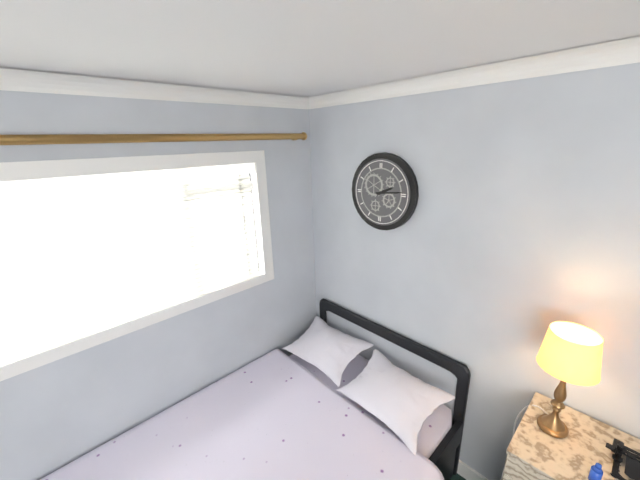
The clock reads h=2 m=14
